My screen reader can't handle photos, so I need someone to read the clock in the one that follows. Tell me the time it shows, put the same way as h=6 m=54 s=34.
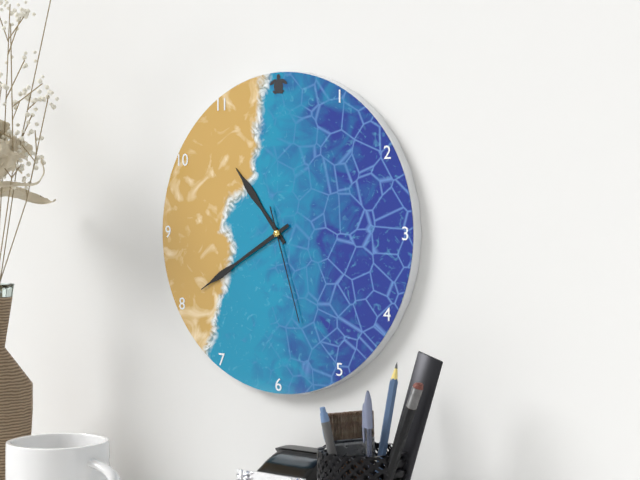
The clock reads h=10 m=40 s=27
